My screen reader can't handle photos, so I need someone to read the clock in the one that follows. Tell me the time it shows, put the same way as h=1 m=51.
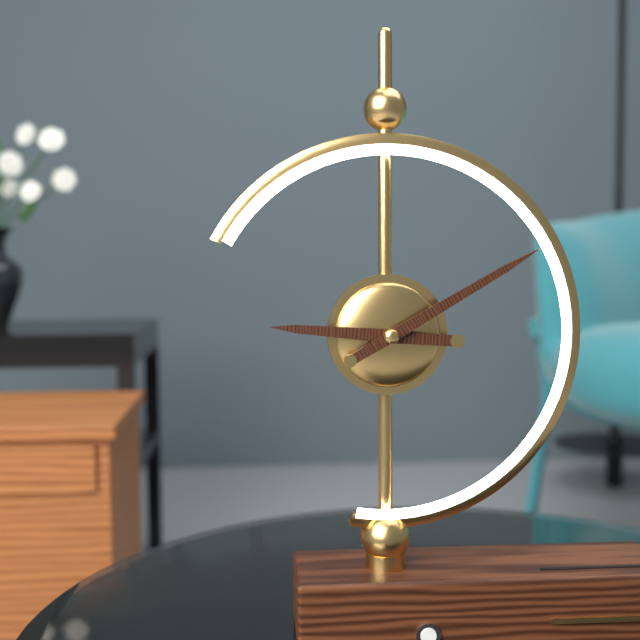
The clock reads h=9 m=10
